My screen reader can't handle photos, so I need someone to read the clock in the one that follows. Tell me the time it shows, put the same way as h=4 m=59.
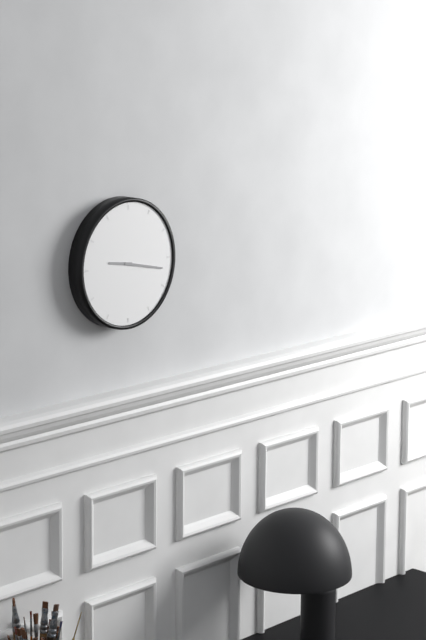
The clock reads h=9 m=17
